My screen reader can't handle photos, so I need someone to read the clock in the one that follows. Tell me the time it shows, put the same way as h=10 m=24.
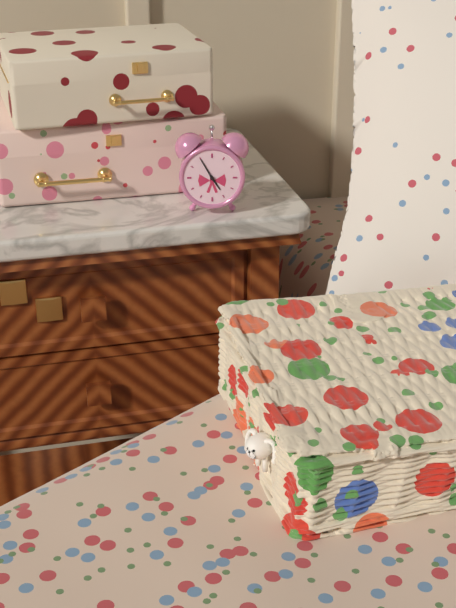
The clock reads h=4 m=55
